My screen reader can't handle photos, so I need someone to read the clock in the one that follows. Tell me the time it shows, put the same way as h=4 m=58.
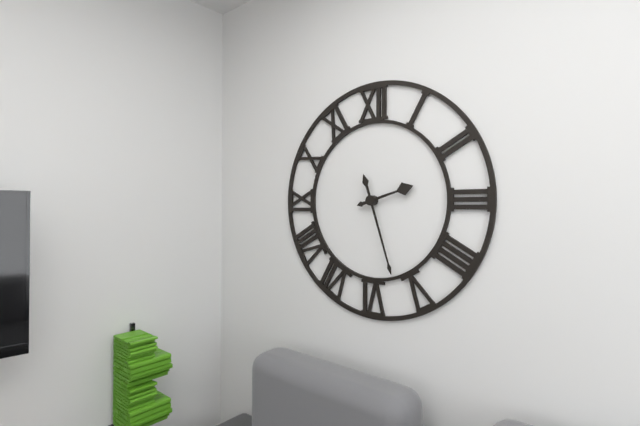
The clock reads h=2 m=27
